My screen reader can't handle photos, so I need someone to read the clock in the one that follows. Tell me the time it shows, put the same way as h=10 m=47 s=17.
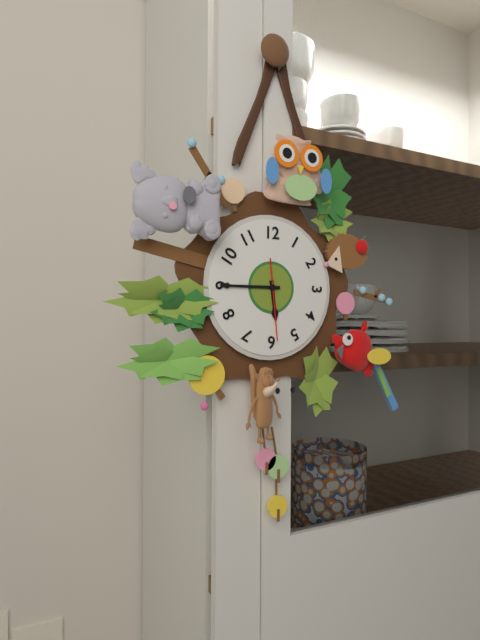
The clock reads h=5 m=45 s=29
